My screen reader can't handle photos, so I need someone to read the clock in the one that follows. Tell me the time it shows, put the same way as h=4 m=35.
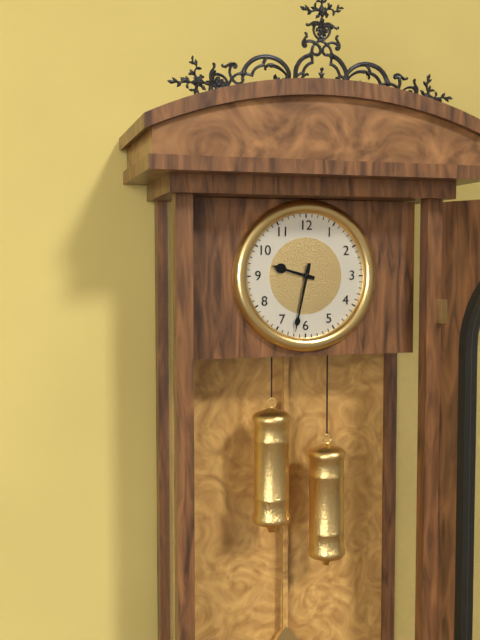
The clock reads h=9 m=32
